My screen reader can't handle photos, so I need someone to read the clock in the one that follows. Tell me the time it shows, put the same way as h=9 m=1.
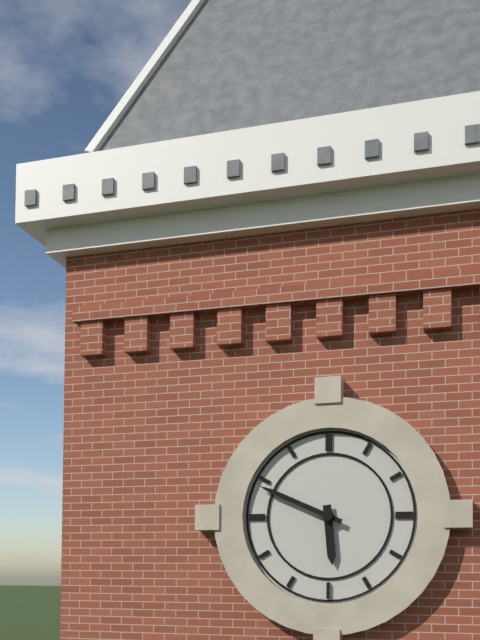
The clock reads h=5 m=49
